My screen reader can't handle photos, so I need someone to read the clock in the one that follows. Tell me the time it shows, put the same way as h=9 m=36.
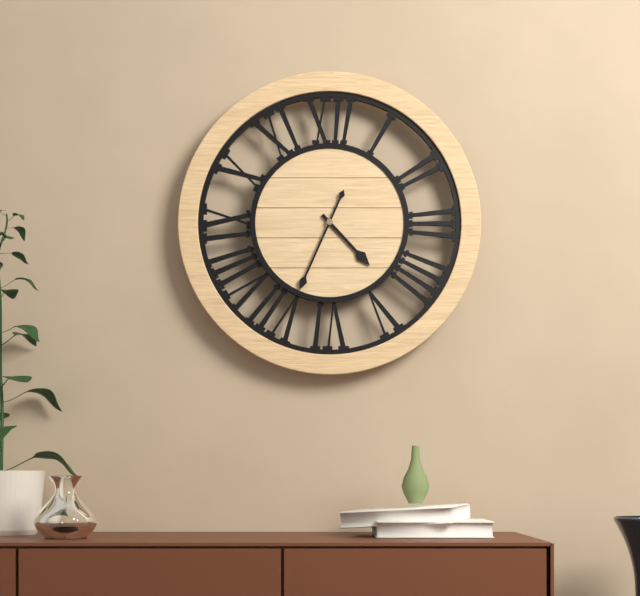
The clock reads h=4 m=34
